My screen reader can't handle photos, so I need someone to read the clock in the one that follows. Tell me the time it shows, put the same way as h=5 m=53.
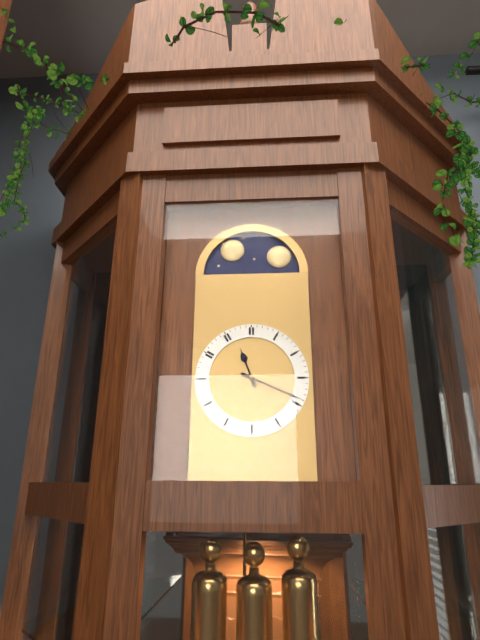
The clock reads h=11 m=19
